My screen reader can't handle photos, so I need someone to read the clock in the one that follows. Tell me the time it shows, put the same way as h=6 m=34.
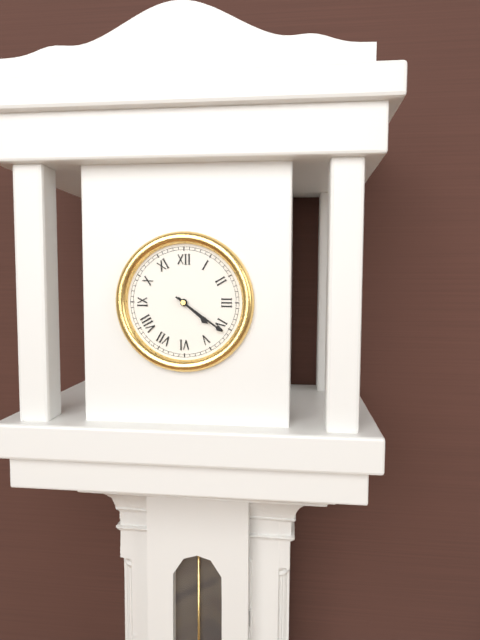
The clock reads h=4 m=21
